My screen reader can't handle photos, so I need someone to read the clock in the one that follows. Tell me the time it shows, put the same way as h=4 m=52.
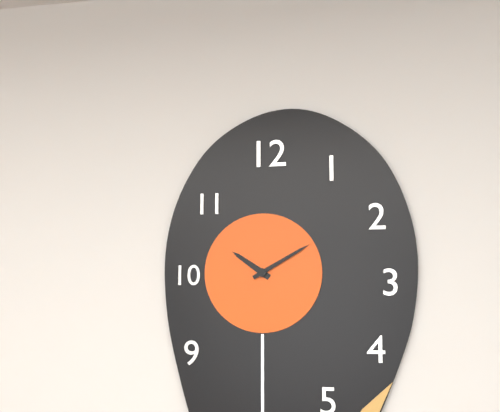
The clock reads h=10 m=10
